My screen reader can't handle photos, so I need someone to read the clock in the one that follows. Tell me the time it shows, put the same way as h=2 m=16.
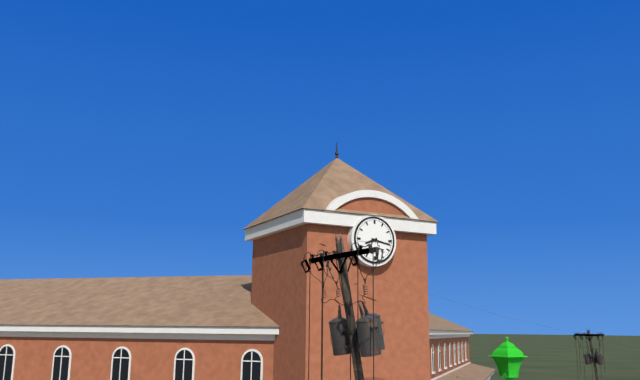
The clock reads h=8 m=17
